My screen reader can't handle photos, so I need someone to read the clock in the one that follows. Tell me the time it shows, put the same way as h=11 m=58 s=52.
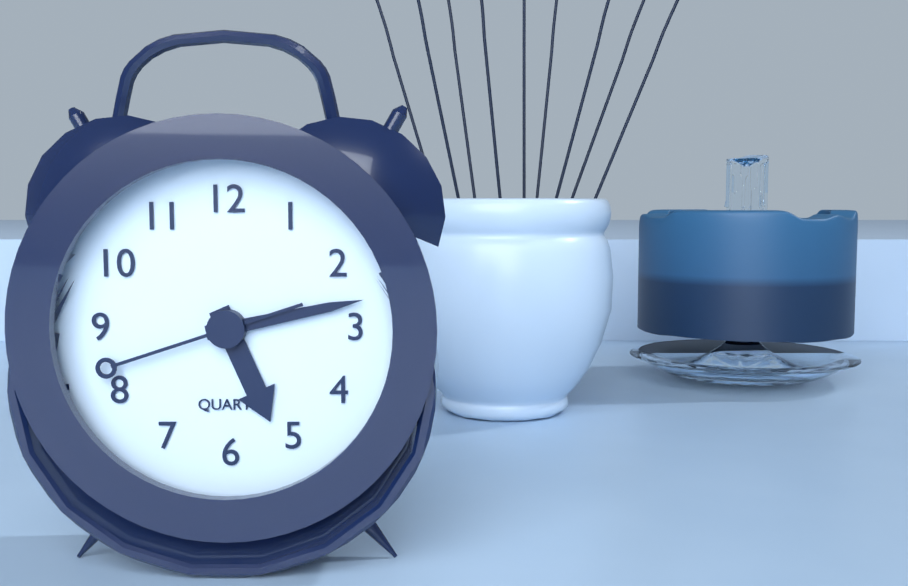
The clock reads h=5 m=13 s=42
